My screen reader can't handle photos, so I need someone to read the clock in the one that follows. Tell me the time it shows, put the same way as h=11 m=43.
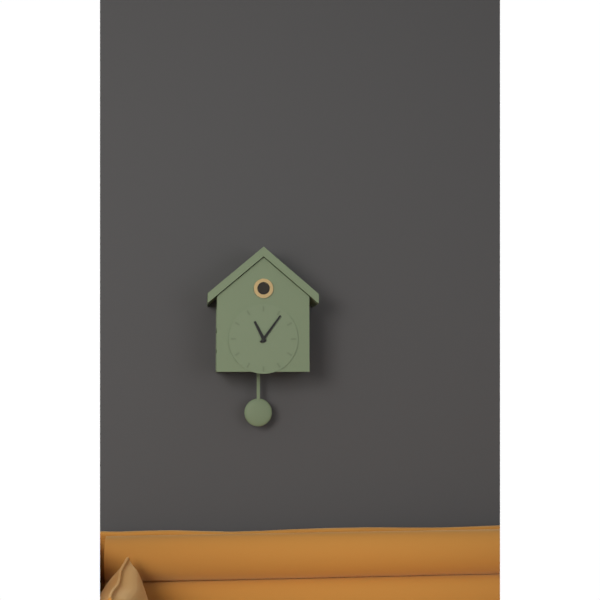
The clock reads h=11 m=6
